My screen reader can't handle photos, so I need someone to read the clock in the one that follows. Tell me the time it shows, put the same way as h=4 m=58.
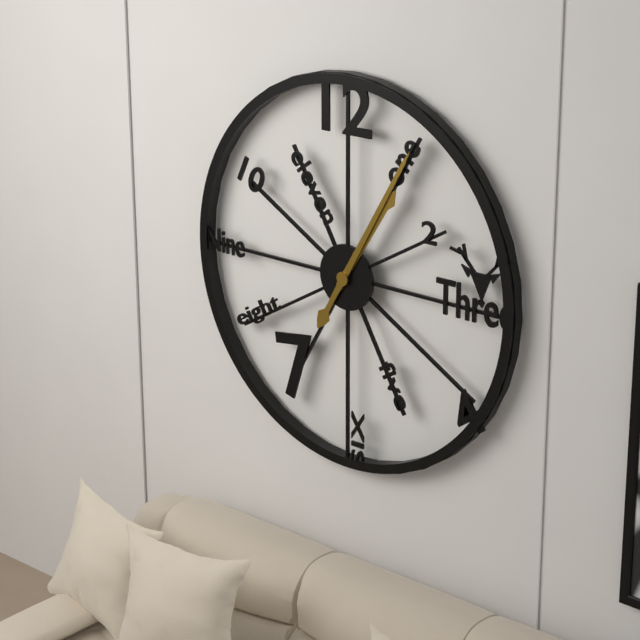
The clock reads h=1 m=5
